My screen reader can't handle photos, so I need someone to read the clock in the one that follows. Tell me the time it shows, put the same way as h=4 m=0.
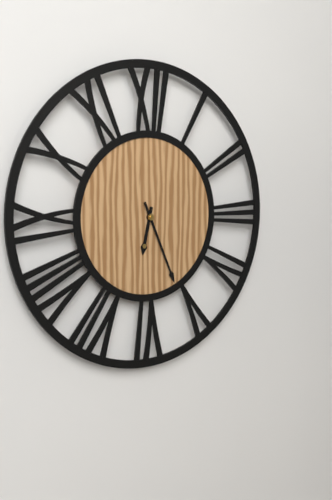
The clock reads h=6 m=26
